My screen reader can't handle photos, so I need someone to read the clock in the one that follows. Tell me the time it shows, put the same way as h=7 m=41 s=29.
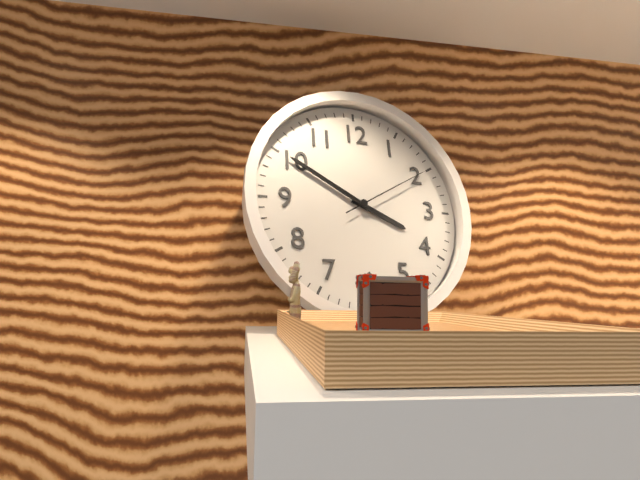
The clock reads h=3 m=50 s=10
